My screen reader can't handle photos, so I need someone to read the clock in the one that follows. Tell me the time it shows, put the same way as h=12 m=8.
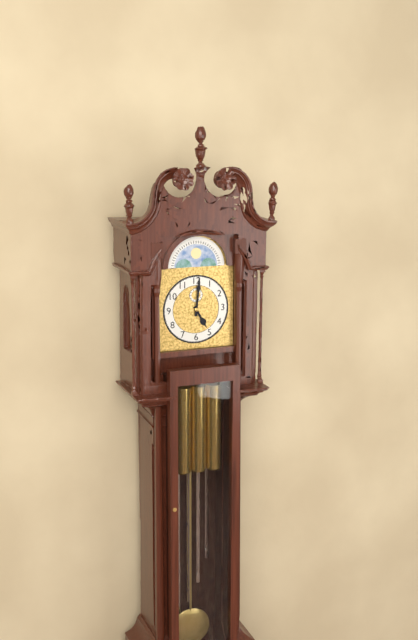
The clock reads h=5 m=1
